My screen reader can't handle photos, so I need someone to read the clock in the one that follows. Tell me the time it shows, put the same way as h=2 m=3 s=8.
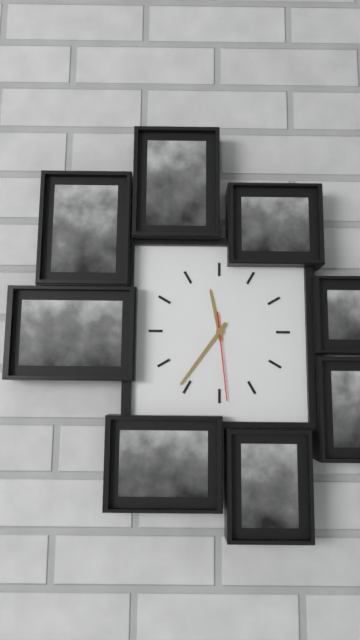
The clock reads h=11 m=36 s=29
